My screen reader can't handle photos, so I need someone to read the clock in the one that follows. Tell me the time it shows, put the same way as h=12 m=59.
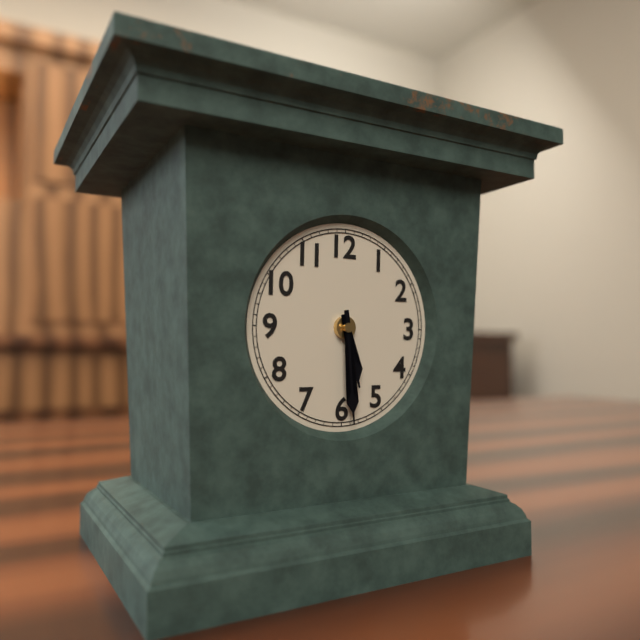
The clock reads h=5 m=29
